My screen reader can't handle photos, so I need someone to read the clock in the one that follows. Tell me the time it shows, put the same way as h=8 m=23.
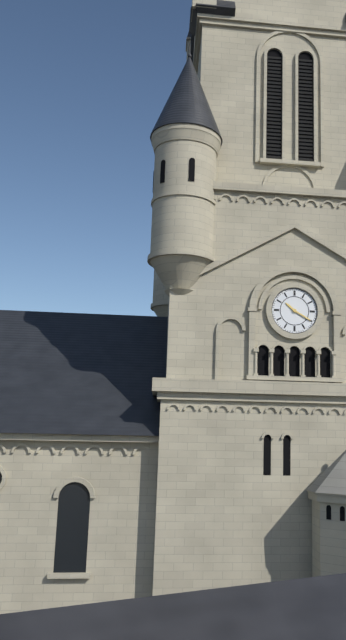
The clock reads h=10 m=20
